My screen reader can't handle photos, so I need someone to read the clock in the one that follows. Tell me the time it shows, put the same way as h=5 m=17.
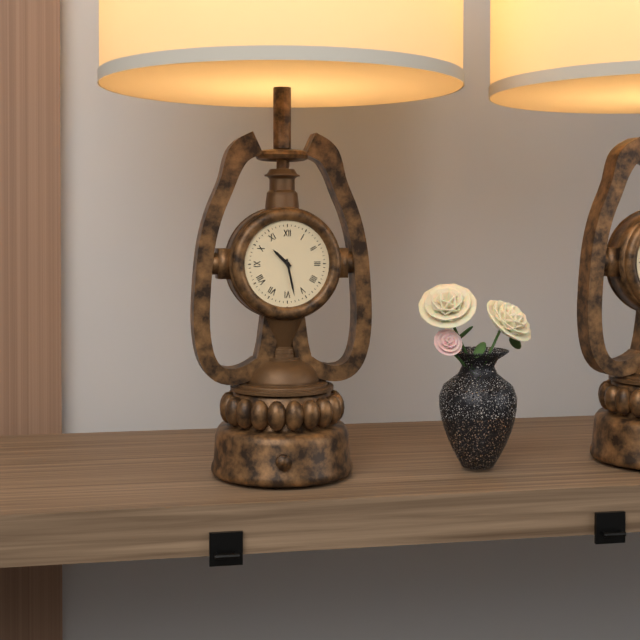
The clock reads h=10 m=28
